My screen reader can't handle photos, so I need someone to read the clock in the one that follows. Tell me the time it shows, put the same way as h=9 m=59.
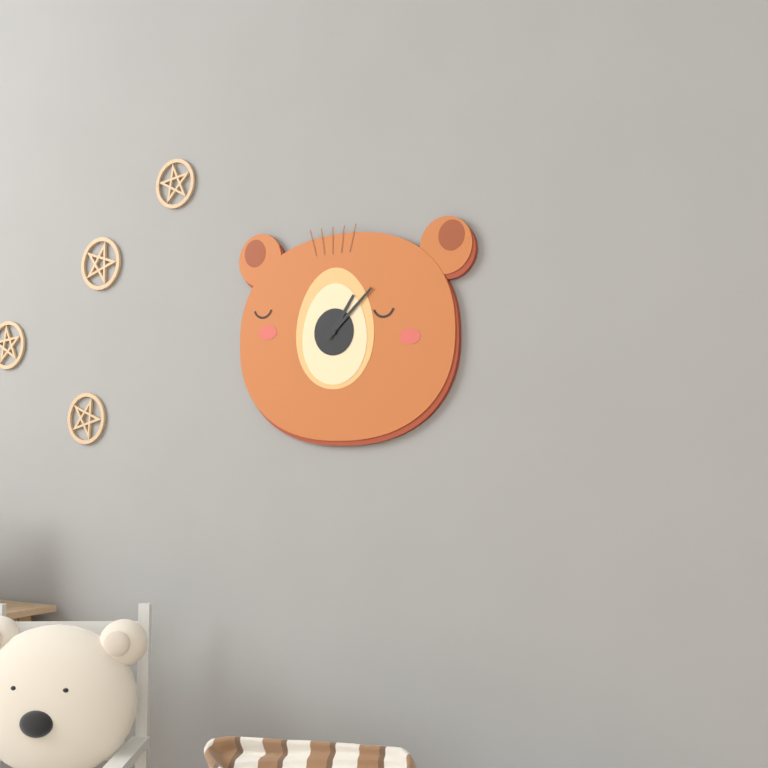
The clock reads h=1 m=8
